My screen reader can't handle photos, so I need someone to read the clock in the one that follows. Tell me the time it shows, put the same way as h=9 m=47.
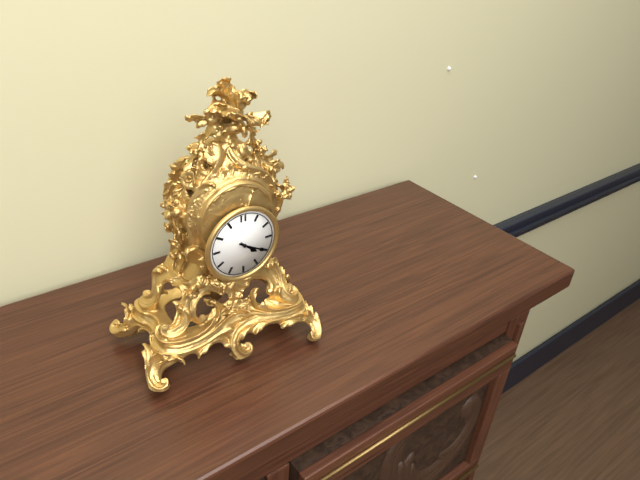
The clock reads h=4 m=20
